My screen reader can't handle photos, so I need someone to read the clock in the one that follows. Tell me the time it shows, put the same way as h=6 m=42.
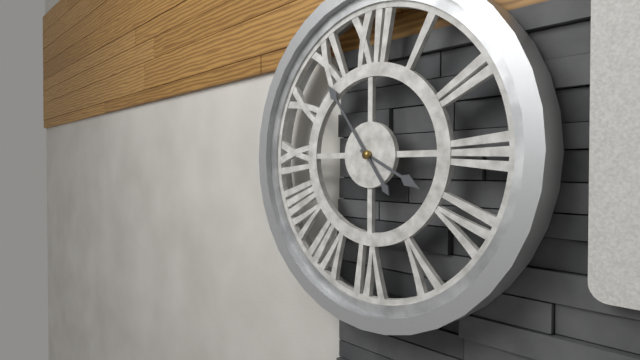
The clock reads h=3 m=54
